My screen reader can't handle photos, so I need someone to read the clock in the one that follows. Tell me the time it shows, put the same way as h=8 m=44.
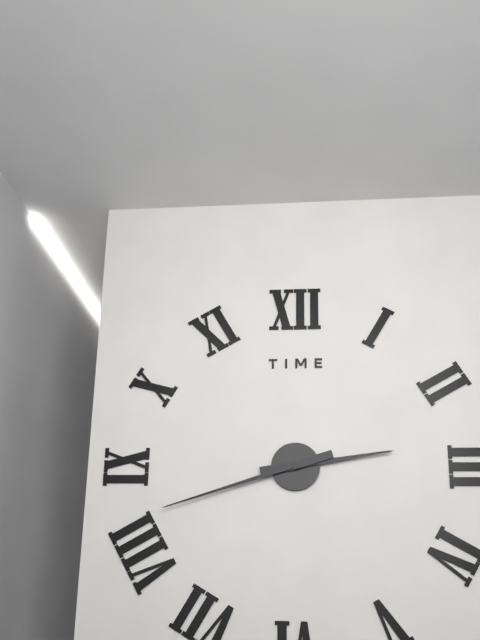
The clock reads h=2 m=42
